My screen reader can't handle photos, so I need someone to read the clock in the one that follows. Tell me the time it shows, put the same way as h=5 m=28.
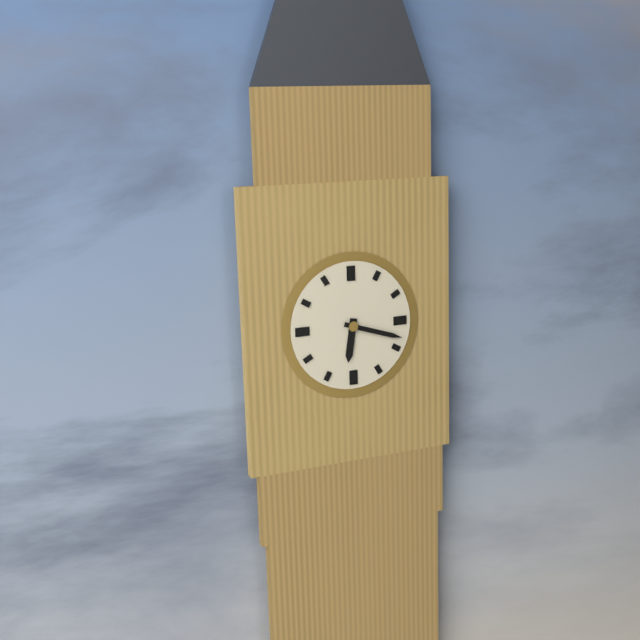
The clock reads h=6 m=18
